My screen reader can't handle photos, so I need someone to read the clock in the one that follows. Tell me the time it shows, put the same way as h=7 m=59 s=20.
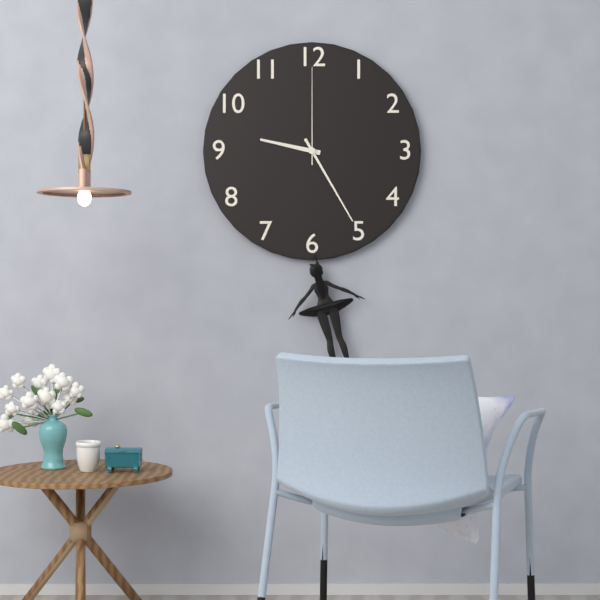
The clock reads h=9 m=25 s=0
